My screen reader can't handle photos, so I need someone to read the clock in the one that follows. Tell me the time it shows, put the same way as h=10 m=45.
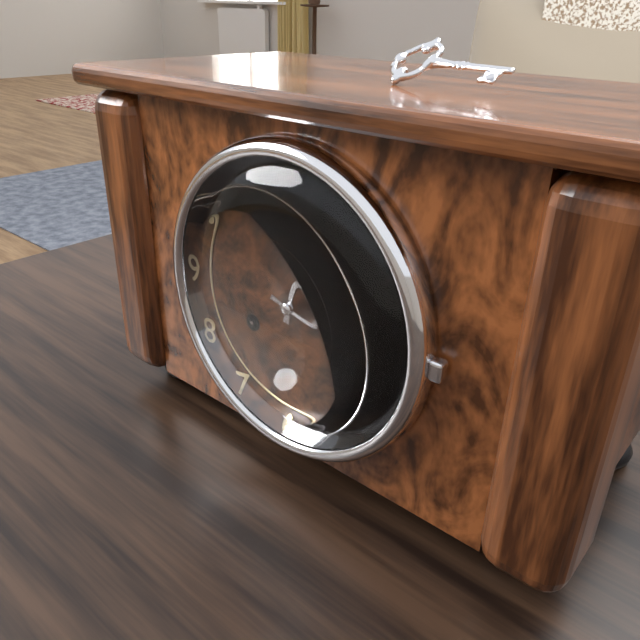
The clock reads h=12 m=18
